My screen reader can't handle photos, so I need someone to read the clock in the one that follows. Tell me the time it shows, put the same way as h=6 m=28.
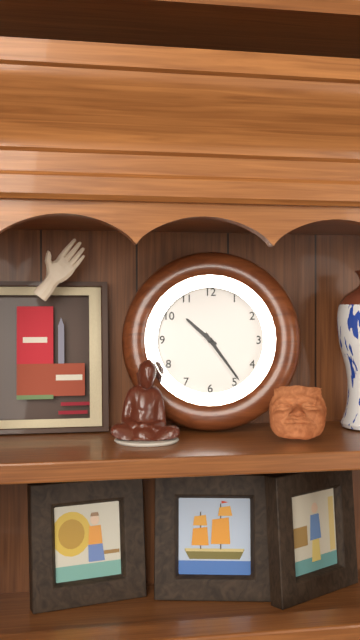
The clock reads h=10 m=24
